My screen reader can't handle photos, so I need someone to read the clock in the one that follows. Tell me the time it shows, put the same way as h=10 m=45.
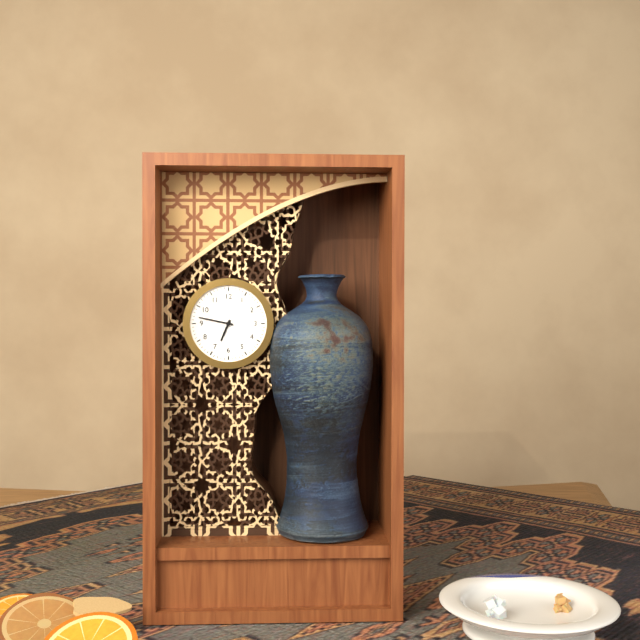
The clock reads h=6 m=47
